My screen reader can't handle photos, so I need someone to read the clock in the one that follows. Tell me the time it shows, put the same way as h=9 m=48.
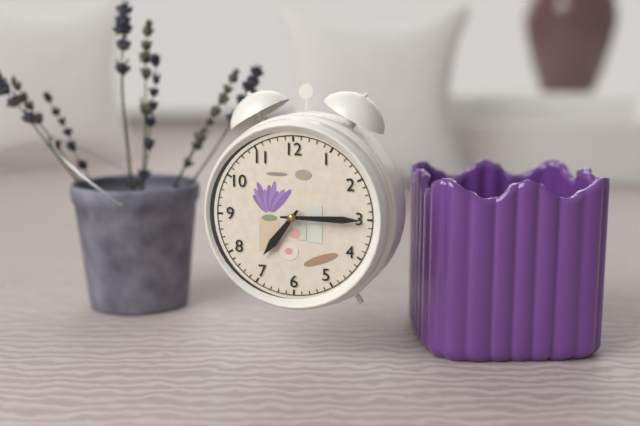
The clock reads h=7 m=15
